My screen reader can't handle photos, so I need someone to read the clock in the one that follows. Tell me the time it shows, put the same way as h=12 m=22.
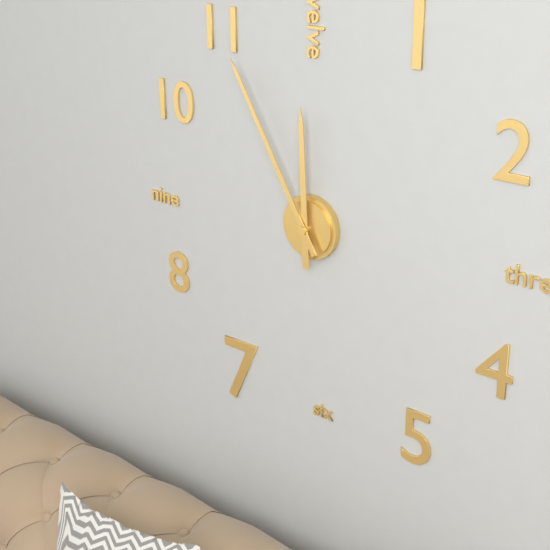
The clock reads h=11 m=55
